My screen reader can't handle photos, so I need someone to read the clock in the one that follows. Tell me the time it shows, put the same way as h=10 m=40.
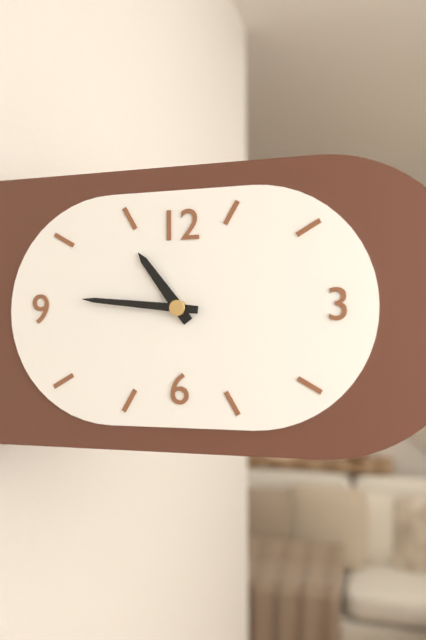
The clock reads h=10 m=46
